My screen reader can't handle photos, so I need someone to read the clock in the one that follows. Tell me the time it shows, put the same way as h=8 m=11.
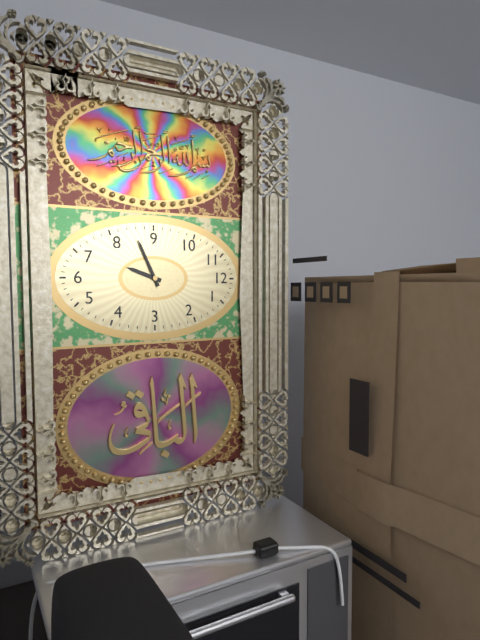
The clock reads h=6 m=41
